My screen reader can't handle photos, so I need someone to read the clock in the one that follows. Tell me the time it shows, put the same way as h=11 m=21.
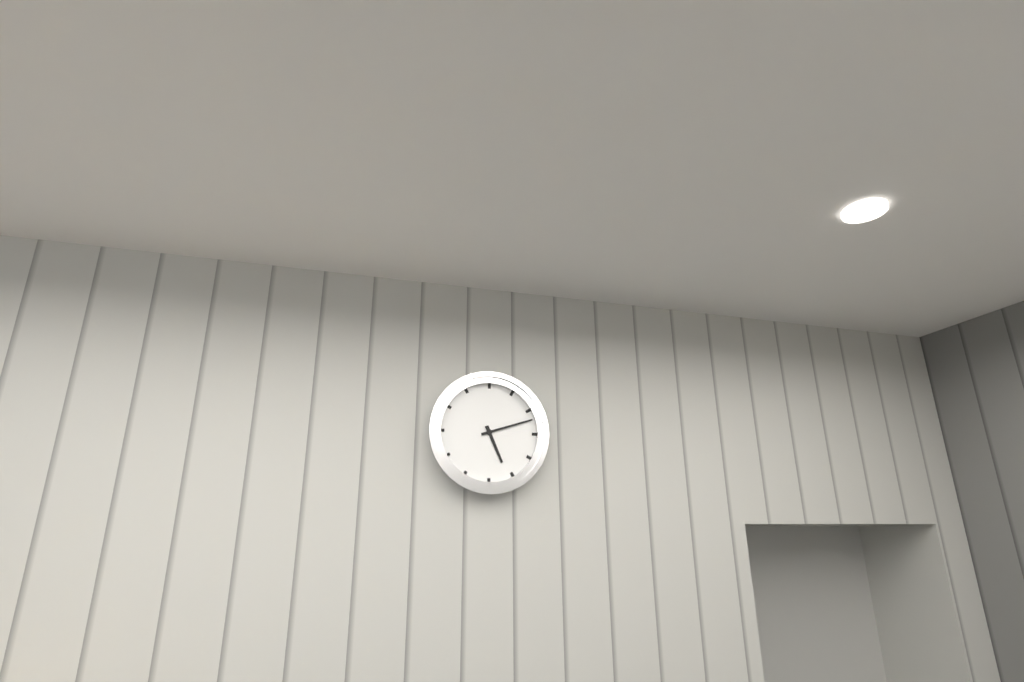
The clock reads h=5 m=12
